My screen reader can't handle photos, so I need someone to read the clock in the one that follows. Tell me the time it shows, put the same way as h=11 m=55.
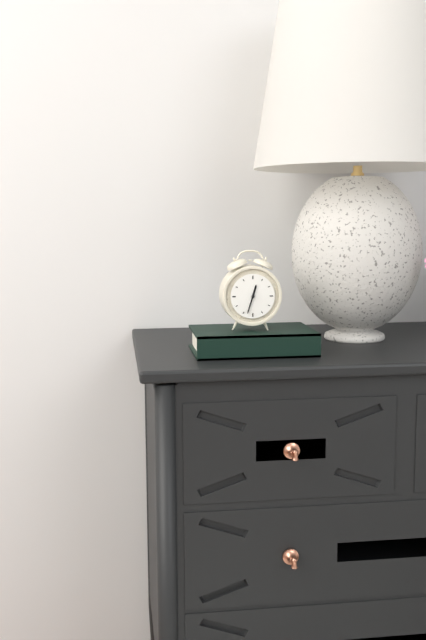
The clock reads h=12 m=33
